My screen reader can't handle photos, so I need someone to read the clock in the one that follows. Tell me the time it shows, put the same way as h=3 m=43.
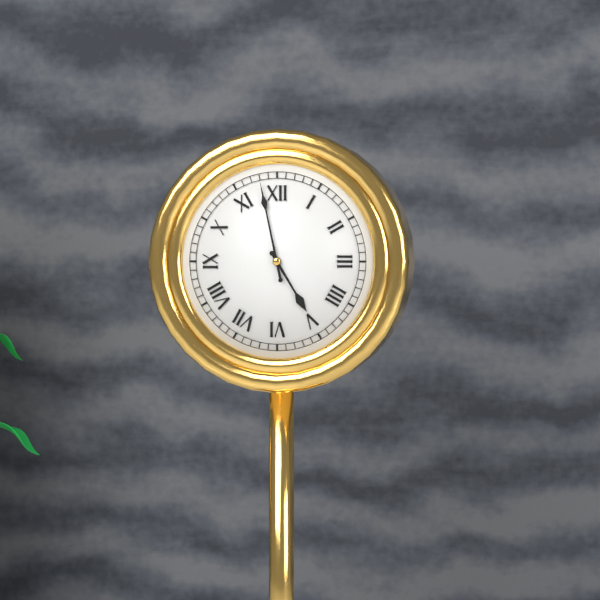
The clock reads h=4 m=58
